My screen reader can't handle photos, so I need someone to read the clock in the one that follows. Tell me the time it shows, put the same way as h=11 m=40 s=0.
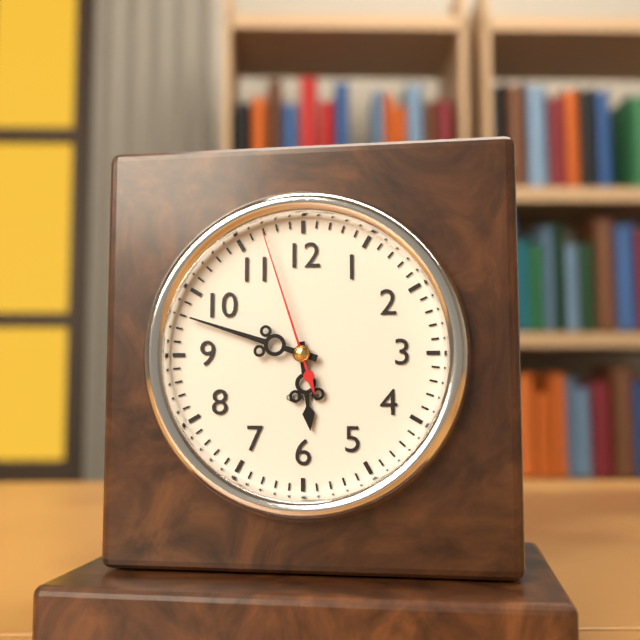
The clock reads h=5 m=48 s=57
